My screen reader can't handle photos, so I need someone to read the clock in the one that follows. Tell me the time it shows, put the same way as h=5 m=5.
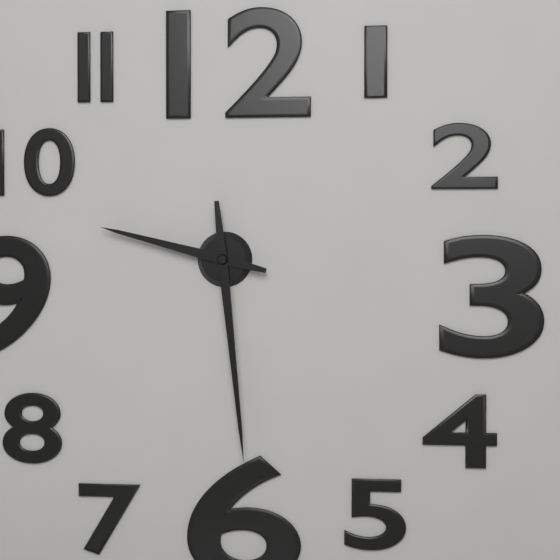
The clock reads h=9 m=29
